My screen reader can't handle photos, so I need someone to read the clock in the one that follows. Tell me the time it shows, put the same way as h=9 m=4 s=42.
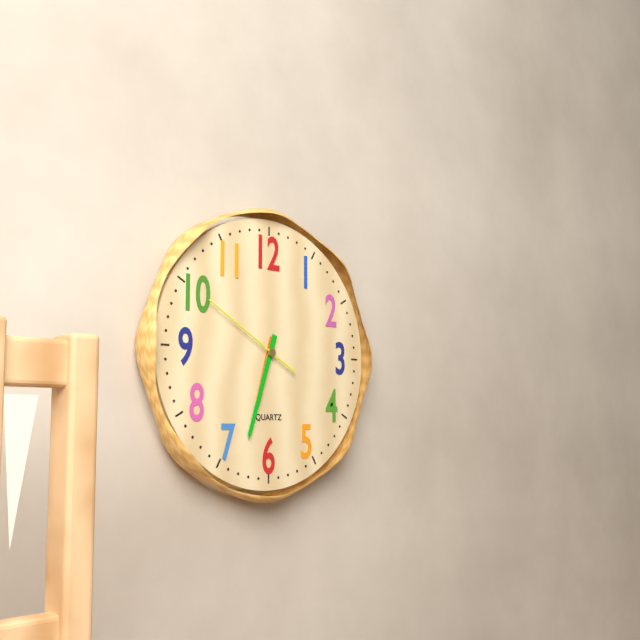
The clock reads h=6 m=33 s=50
